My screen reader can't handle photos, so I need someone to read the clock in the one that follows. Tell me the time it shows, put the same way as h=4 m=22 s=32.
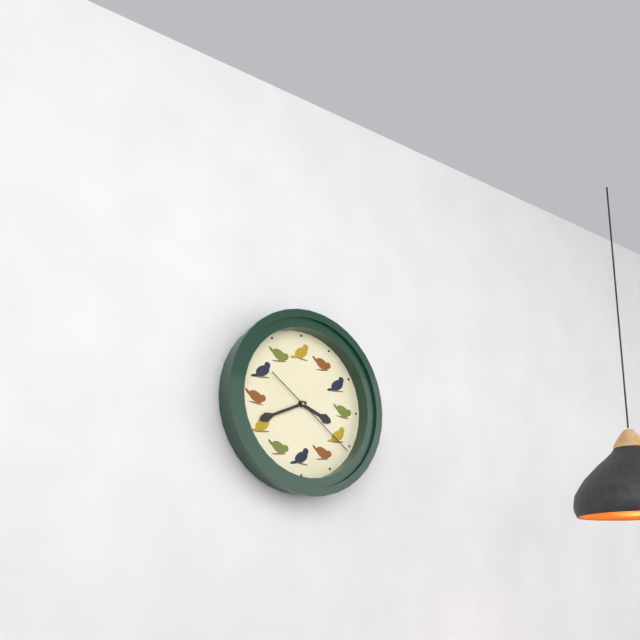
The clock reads h=3 m=41 s=21
